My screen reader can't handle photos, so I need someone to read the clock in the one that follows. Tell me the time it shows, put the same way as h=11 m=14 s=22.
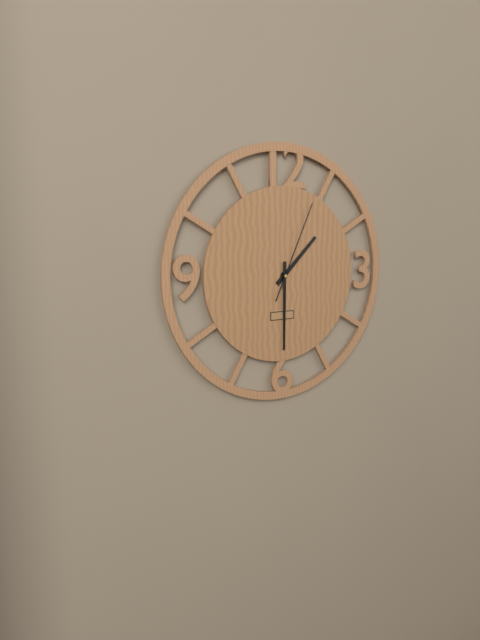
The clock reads h=1 m=30 s=4
